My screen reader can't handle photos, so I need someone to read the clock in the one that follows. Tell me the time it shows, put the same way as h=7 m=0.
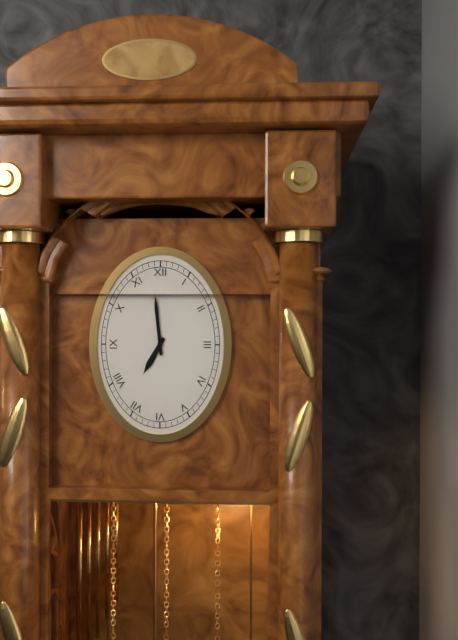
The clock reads h=6 m=59
